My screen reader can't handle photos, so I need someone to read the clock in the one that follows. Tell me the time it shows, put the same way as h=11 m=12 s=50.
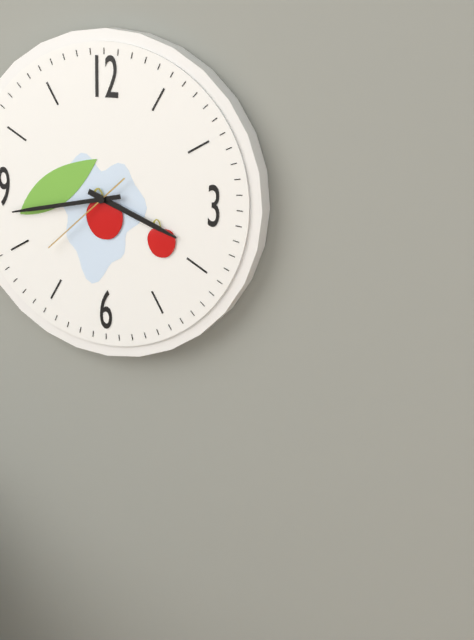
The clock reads h=3 m=43 s=38
